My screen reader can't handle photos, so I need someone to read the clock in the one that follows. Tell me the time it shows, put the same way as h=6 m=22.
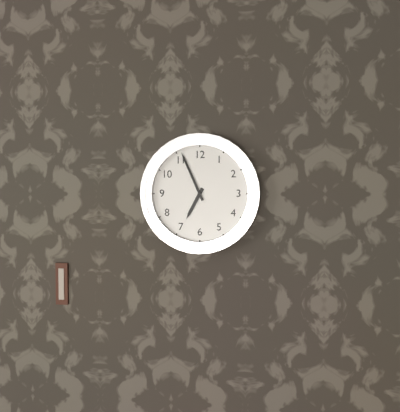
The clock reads h=6 m=56
